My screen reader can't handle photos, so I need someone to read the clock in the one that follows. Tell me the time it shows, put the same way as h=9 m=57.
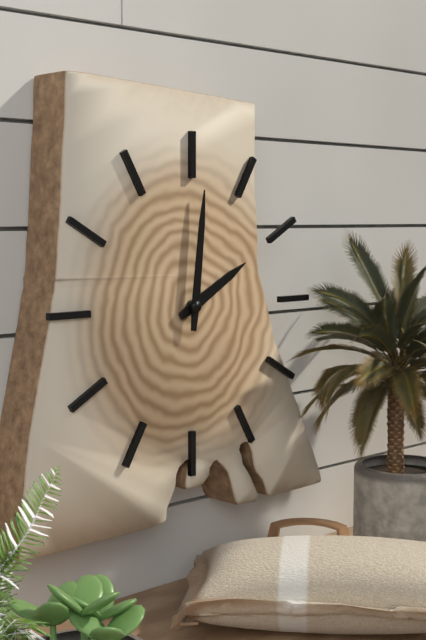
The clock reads h=2 m=1
